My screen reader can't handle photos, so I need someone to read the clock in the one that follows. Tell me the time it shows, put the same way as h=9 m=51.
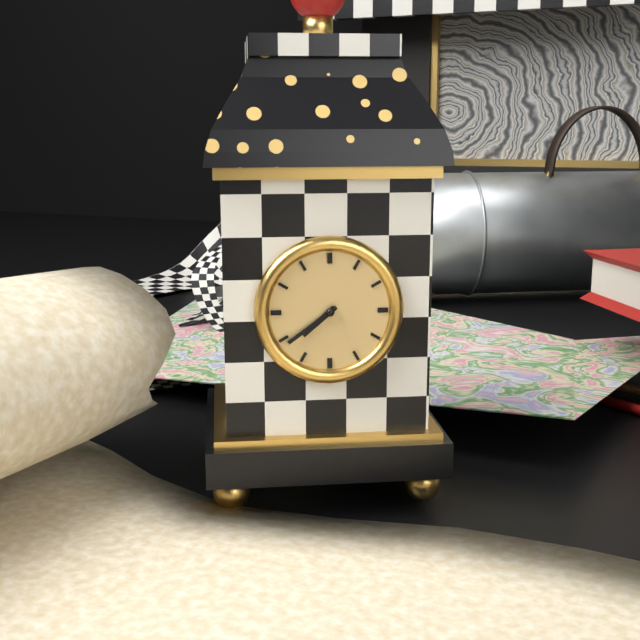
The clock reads h=7 m=39
